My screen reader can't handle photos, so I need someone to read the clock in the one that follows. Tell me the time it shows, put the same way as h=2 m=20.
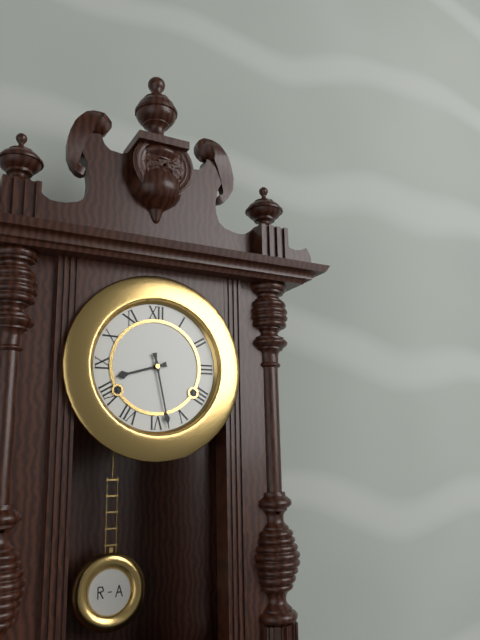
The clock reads h=8 m=28
